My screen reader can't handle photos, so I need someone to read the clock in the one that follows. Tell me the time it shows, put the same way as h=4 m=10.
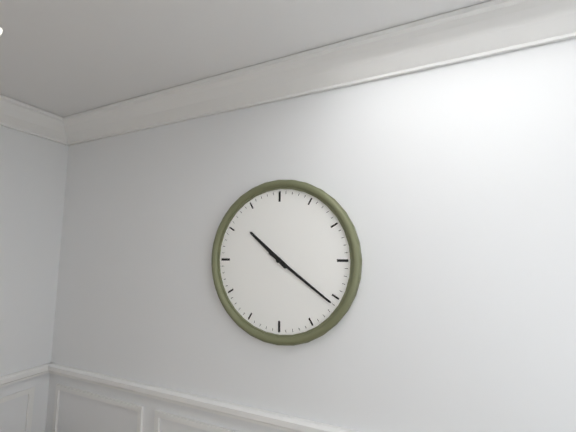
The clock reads h=10 m=21
